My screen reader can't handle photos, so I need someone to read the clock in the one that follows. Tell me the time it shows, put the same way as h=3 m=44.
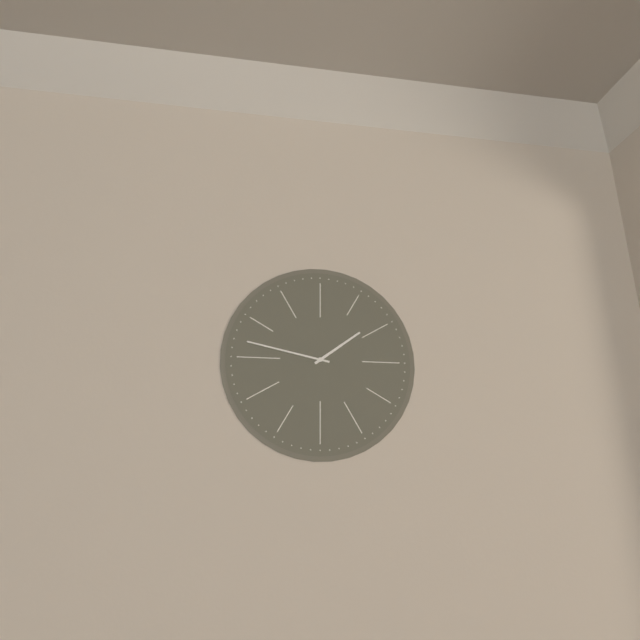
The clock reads h=1 m=47
